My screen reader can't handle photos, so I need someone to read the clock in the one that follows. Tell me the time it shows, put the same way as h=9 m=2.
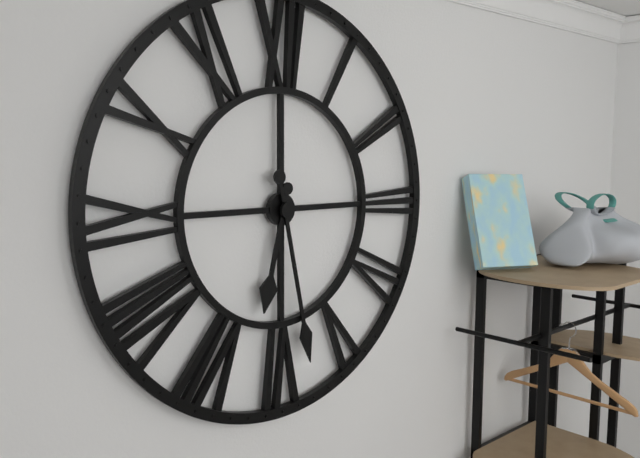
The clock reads h=6 m=28
